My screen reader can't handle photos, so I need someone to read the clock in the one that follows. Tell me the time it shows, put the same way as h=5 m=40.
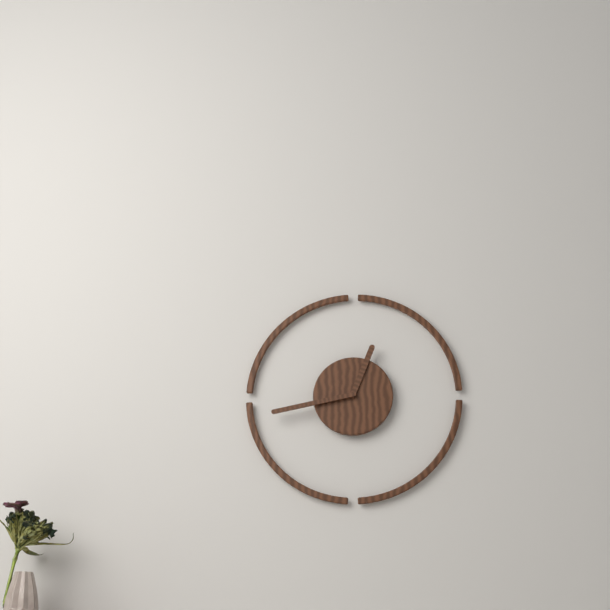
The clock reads h=12 m=43
